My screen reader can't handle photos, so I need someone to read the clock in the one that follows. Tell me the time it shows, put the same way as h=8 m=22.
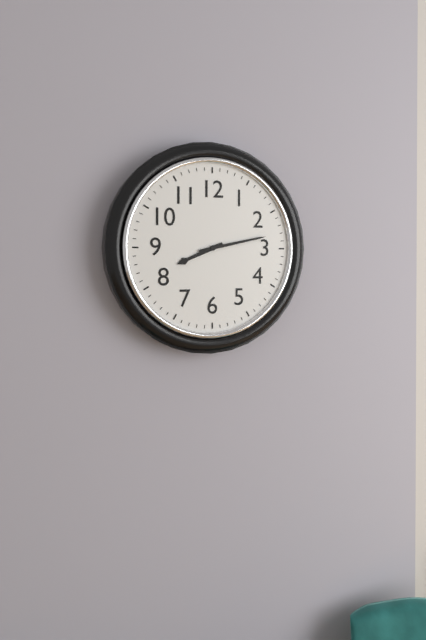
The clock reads h=8 m=13
